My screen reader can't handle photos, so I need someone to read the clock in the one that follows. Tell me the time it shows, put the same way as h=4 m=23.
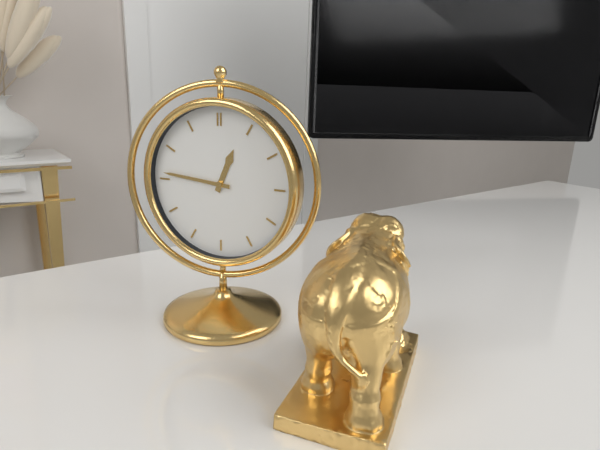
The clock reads h=12 m=46
